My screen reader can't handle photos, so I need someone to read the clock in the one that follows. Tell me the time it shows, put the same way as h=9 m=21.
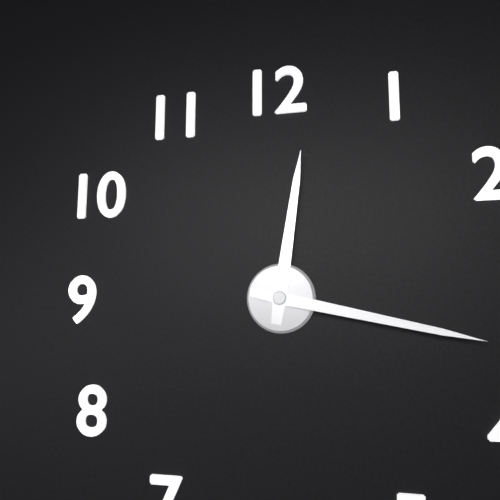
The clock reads h=12 m=17
